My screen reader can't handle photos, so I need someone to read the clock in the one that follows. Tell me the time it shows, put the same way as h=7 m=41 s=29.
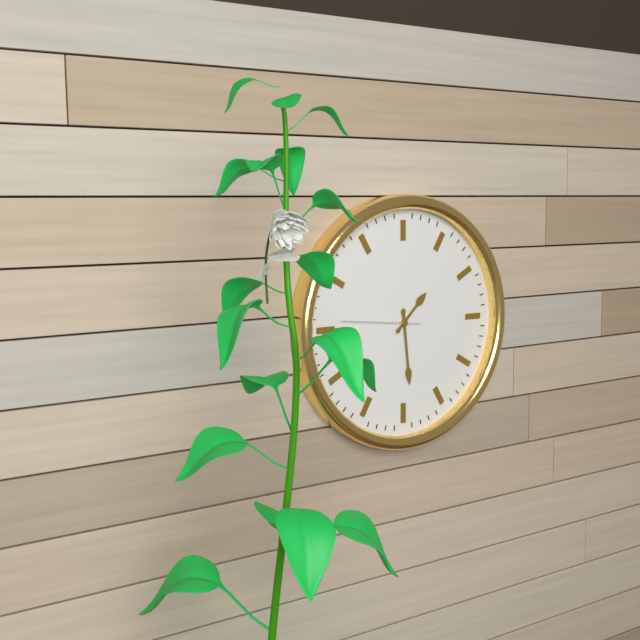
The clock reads h=1 m=29 s=46
